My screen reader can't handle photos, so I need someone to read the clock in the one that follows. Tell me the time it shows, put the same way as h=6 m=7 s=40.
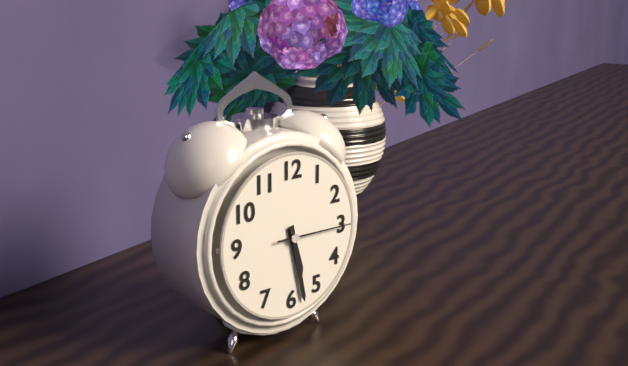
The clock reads h=5 m=28 s=15
